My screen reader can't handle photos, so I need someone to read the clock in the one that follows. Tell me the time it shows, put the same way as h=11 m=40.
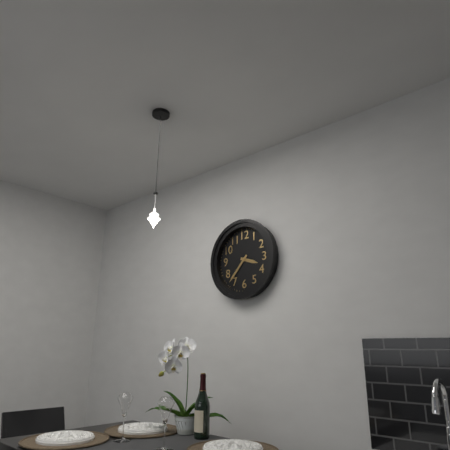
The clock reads h=3 m=37
